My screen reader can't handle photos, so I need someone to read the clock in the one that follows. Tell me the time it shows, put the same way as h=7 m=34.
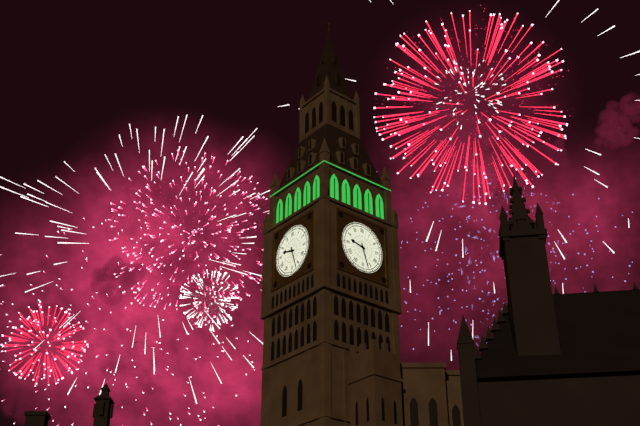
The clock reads h=9 m=27
